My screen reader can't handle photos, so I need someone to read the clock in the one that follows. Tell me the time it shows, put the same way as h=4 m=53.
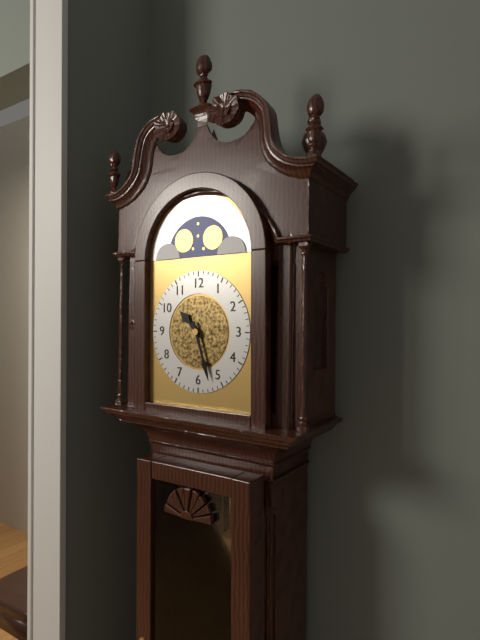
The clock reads h=10 m=27
